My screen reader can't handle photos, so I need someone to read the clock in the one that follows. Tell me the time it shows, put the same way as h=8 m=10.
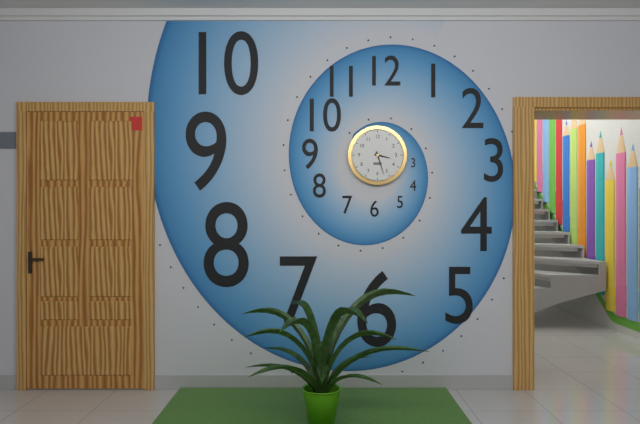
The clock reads h=3 m=27
